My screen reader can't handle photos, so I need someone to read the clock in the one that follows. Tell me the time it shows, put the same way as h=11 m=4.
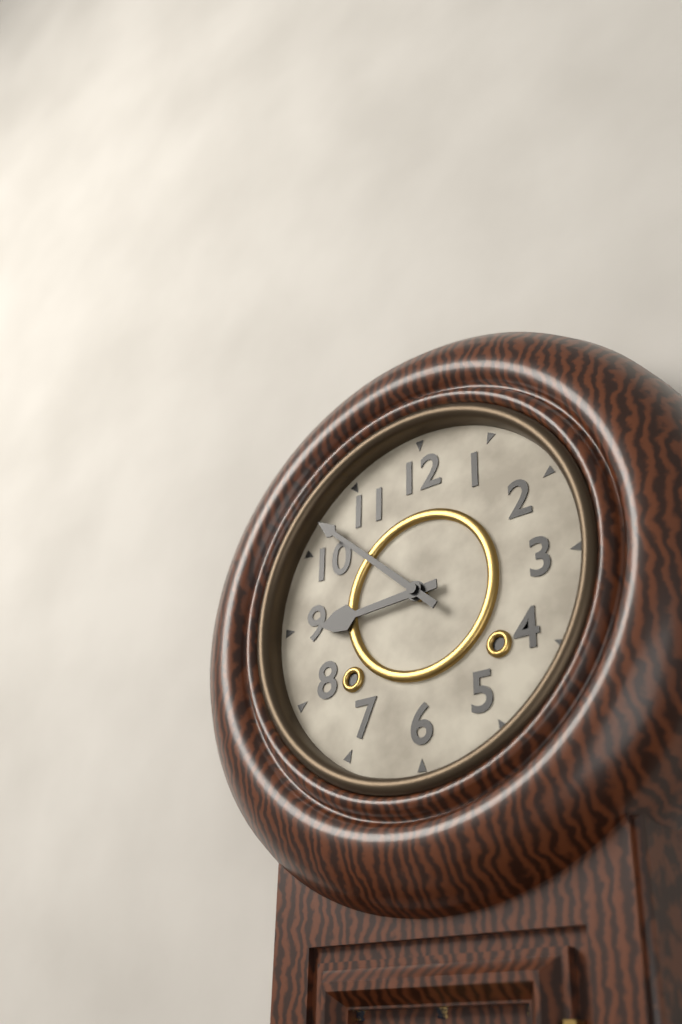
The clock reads h=8 m=52
